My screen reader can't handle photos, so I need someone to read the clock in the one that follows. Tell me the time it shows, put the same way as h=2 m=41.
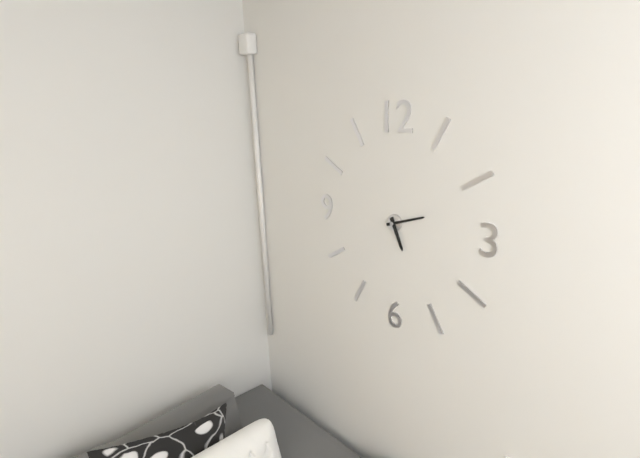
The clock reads h=5 m=12
